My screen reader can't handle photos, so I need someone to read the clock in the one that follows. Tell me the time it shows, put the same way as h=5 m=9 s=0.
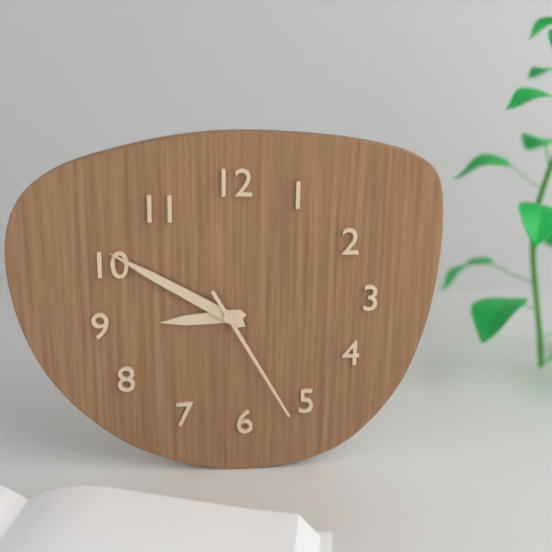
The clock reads h=8 m=50 s=25
